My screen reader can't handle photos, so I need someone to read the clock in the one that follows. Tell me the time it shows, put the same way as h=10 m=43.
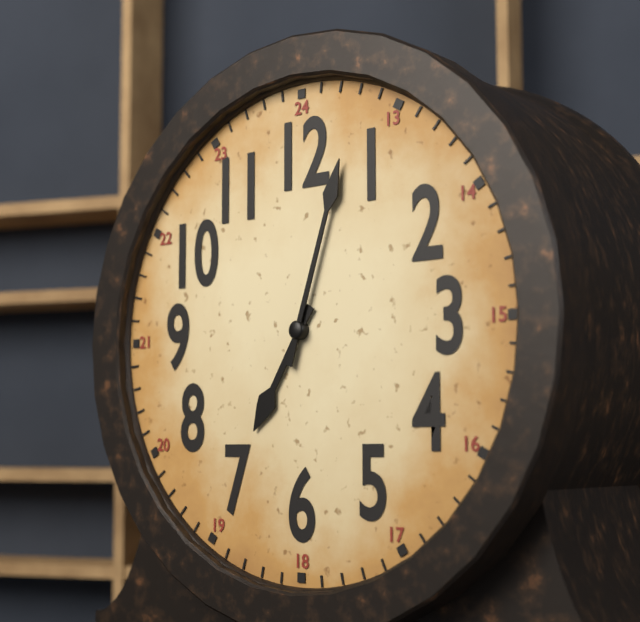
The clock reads h=7 m=3
